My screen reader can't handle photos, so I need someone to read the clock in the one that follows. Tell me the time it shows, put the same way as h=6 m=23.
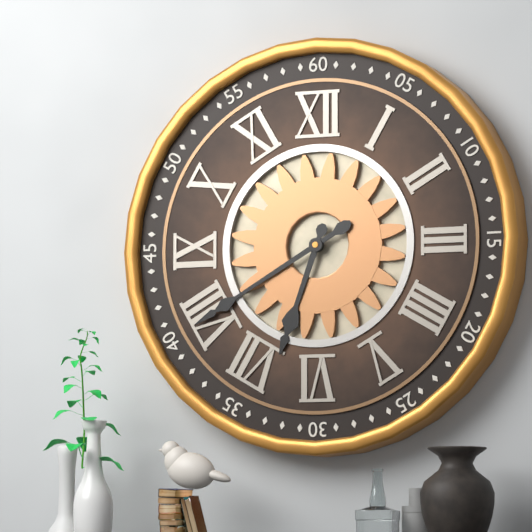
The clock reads h=6 m=40
